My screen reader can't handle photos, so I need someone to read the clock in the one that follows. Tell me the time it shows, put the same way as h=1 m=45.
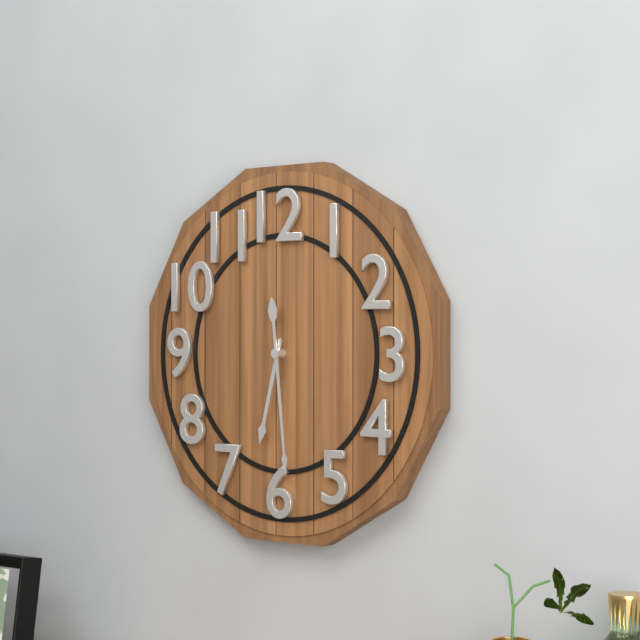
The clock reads h=6 m=29
